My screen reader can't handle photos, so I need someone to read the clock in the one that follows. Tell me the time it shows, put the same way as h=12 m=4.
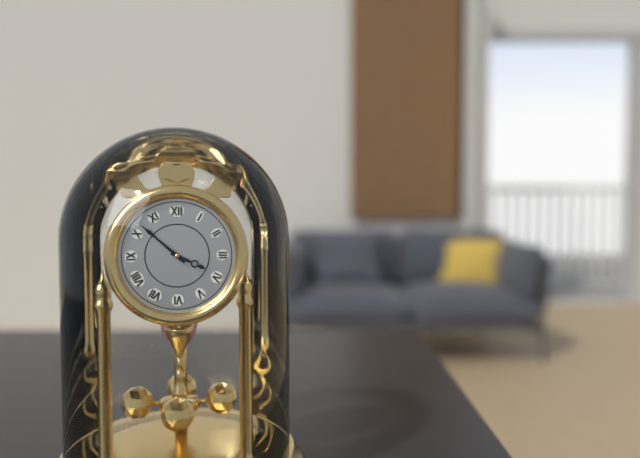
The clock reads h=3 m=52
